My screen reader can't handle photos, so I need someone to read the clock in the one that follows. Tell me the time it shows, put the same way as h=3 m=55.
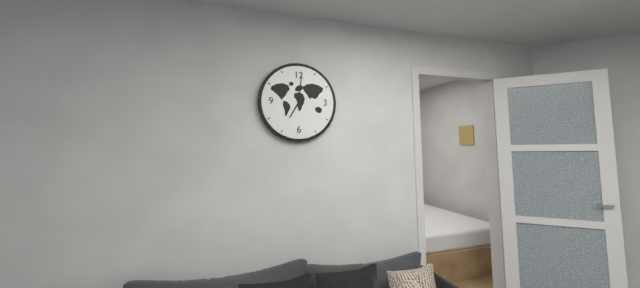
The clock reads h=7 m=1
